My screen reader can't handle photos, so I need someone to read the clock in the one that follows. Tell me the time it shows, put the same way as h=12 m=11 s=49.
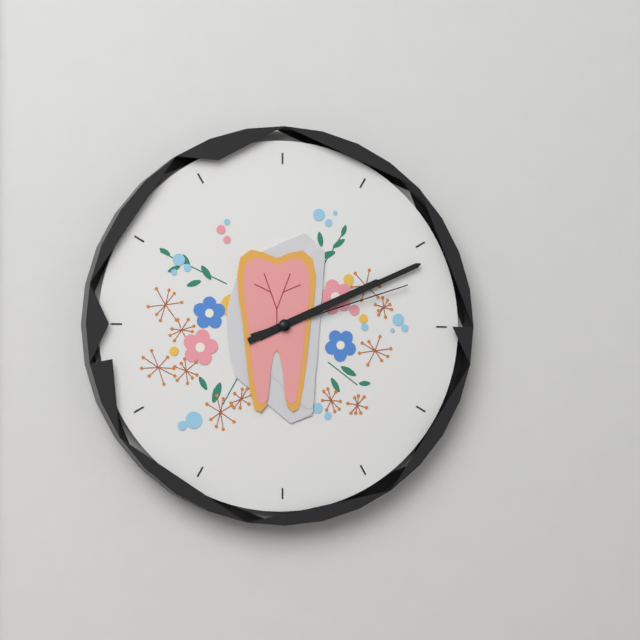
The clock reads h=2 m=11 s=12
